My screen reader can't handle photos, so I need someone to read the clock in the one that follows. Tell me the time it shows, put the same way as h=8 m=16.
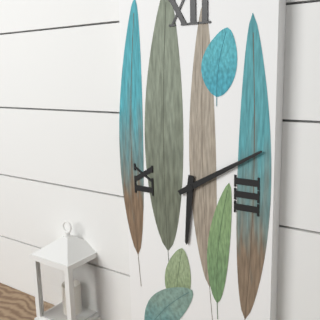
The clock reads h=6 m=10
